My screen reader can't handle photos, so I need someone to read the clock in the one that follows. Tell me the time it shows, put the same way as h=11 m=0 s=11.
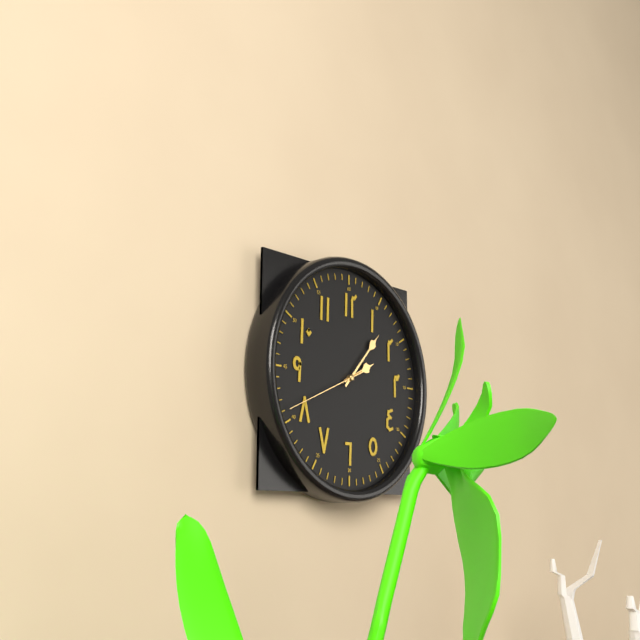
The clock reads h=2 m=7 s=41
